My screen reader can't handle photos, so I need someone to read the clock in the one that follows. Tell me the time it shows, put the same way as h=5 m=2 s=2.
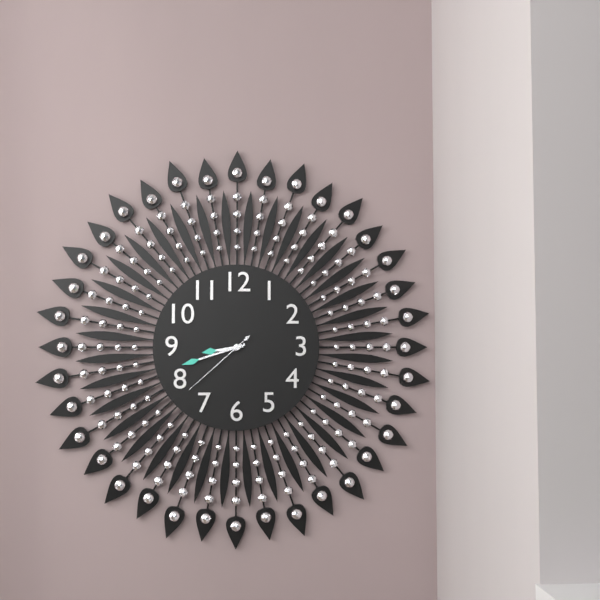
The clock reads h=8 m=42 s=38
